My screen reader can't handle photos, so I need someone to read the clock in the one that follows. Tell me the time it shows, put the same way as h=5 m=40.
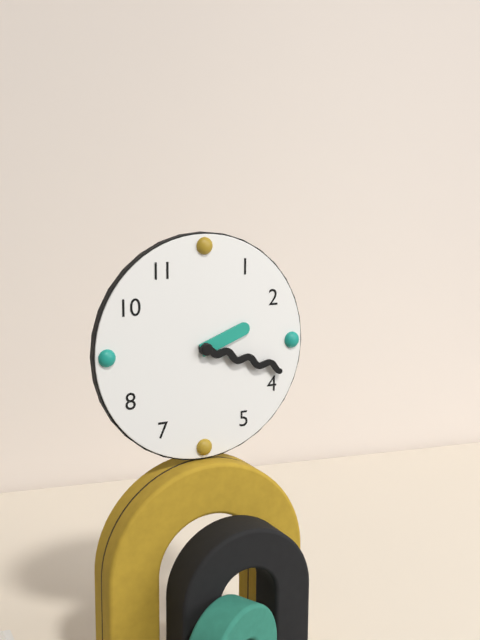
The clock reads h=2 m=18
